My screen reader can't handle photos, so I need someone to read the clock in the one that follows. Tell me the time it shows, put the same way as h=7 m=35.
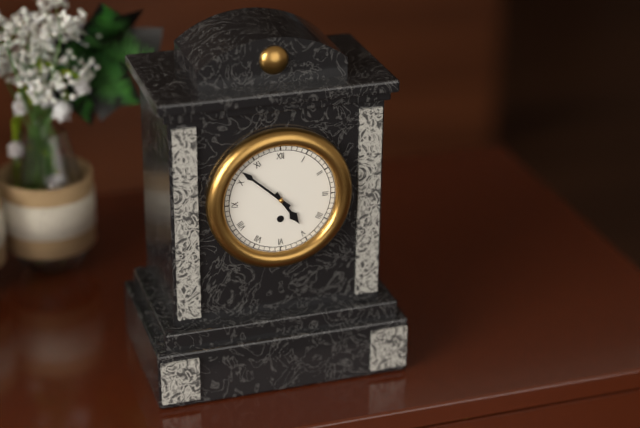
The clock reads h=4 m=52
